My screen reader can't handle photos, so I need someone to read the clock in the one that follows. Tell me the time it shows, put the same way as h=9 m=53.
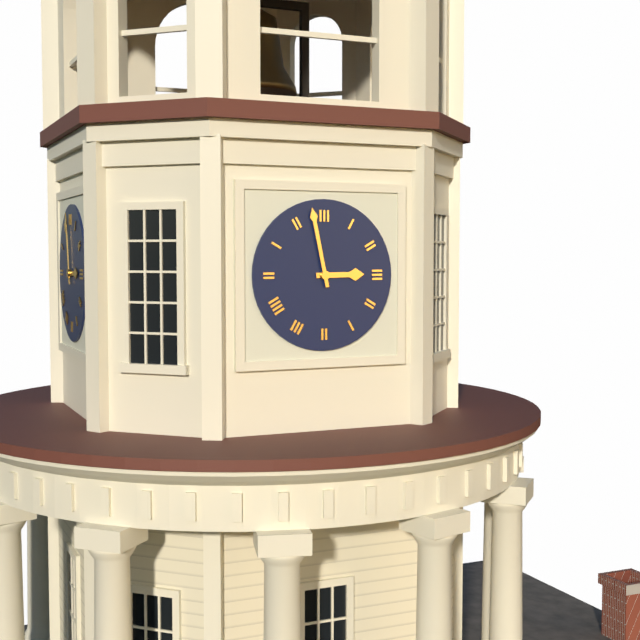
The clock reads h=2 m=58
